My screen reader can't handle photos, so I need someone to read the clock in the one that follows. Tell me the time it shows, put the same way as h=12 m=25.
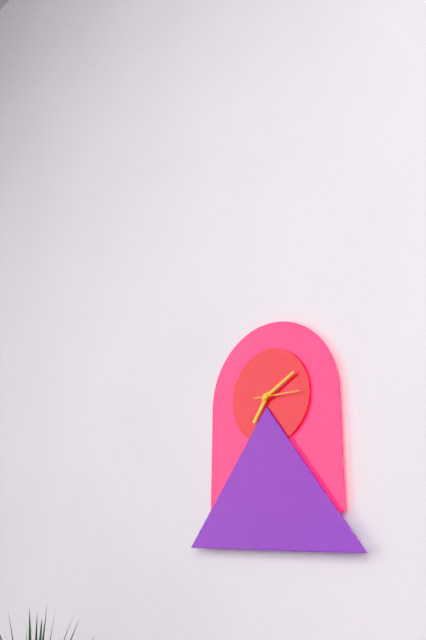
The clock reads h=7 m=10
